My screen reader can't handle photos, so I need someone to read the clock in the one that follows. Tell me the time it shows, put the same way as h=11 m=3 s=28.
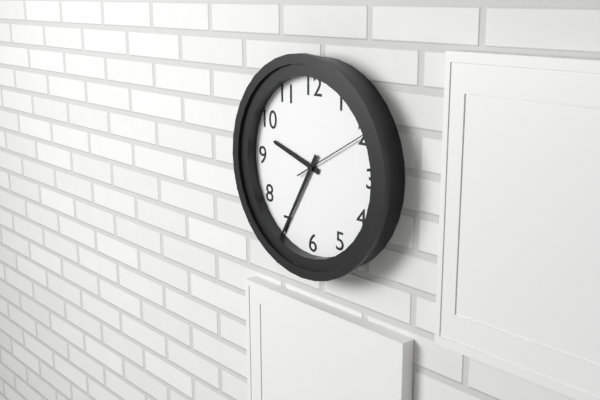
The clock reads h=9 m=35 s=10
